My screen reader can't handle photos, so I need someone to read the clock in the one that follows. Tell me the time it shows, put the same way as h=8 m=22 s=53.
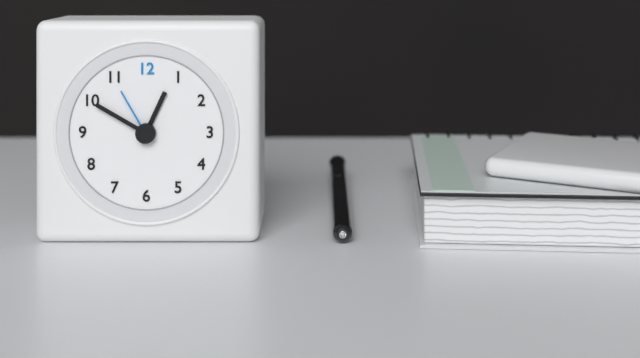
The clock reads h=12 m=50 s=55
